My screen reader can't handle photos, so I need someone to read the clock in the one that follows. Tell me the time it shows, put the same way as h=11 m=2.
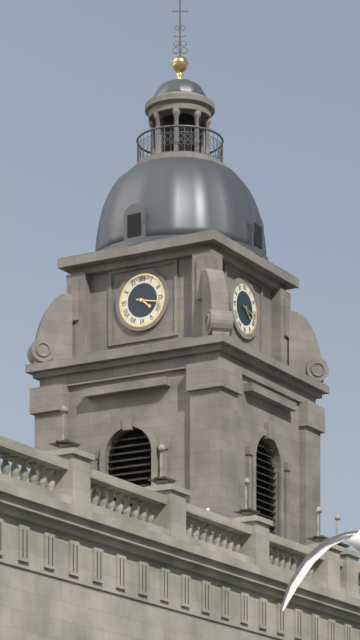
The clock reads h=4 m=17
